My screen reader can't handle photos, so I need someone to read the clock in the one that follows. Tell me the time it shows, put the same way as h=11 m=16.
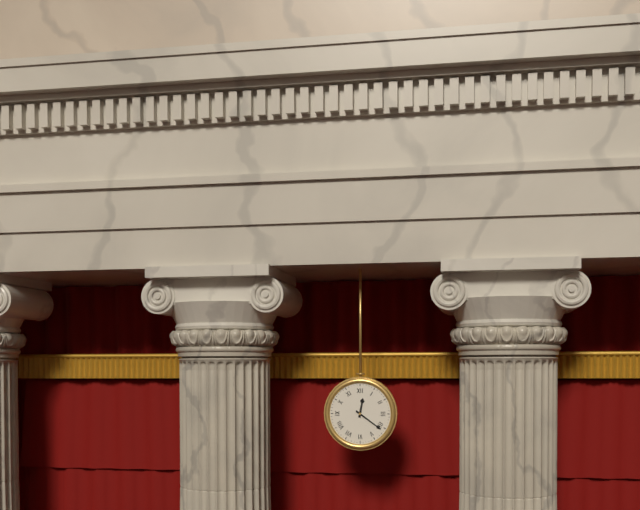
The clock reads h=12 m=21
